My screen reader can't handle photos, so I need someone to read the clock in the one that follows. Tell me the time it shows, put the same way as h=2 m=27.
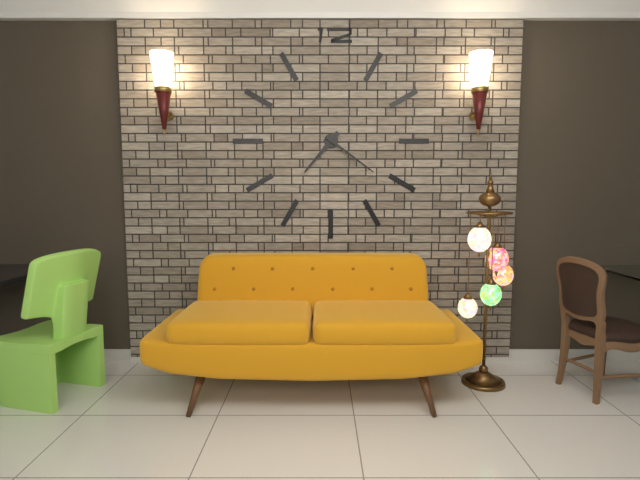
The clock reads h=7 m=21
